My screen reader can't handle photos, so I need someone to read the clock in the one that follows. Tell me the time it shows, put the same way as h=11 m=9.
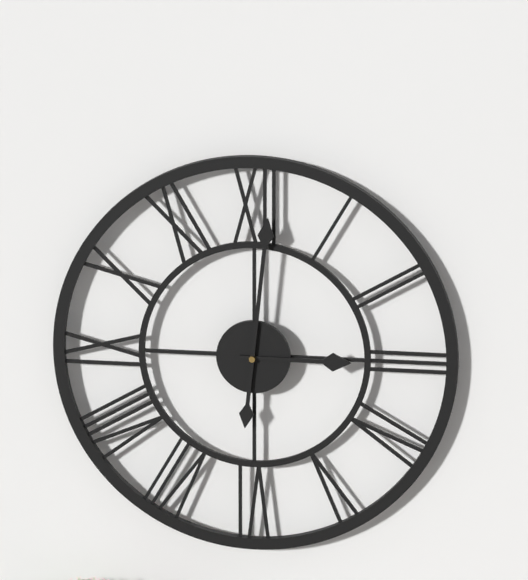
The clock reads h=3 m=1
